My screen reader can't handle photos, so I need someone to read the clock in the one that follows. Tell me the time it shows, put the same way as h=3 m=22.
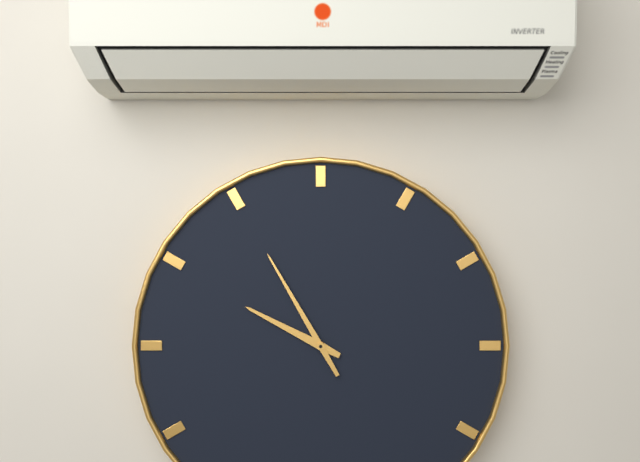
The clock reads h=9 m=55
